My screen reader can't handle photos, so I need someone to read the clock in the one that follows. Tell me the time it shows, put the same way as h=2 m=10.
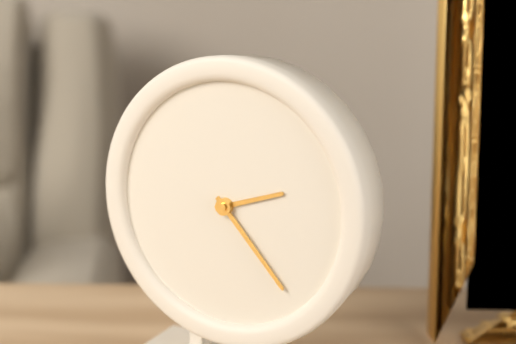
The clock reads h=2 m=23
